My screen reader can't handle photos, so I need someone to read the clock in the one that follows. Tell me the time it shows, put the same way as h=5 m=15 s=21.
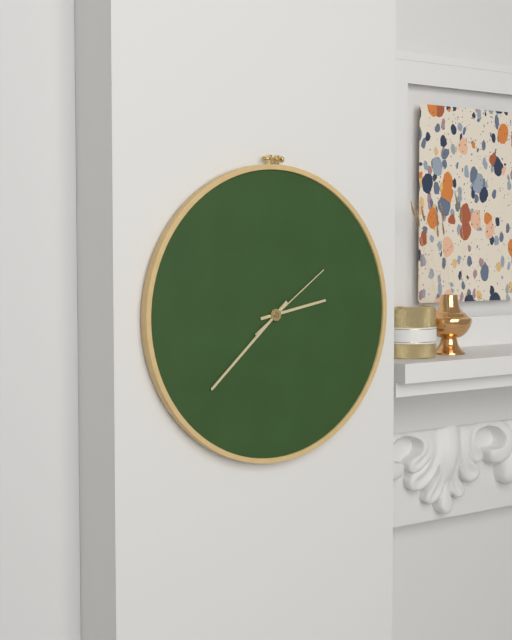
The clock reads h=2 m=38 s=9
